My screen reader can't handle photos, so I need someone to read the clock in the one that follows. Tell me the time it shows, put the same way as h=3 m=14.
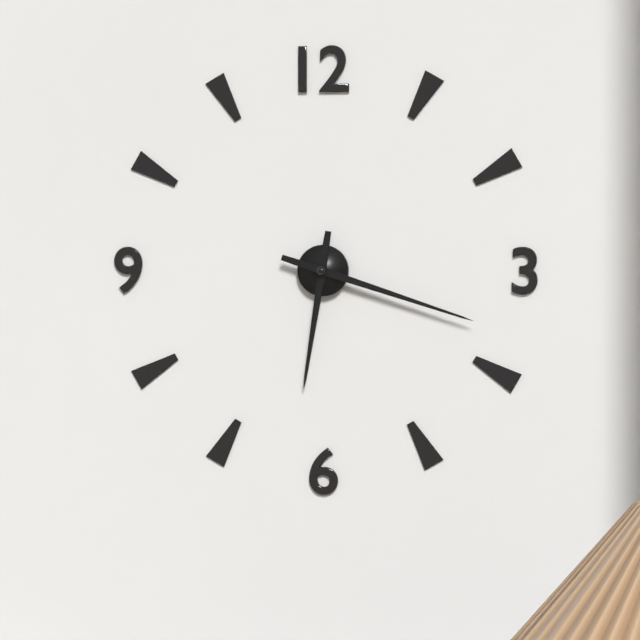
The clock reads h=6 m=18
